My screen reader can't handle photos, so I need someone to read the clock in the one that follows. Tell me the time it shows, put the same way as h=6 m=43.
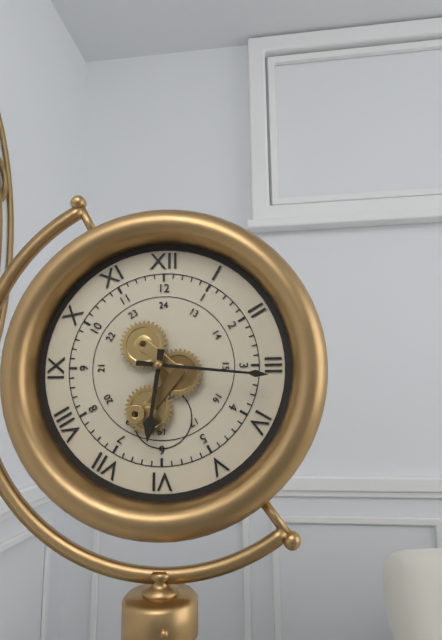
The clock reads h=6 m=16
